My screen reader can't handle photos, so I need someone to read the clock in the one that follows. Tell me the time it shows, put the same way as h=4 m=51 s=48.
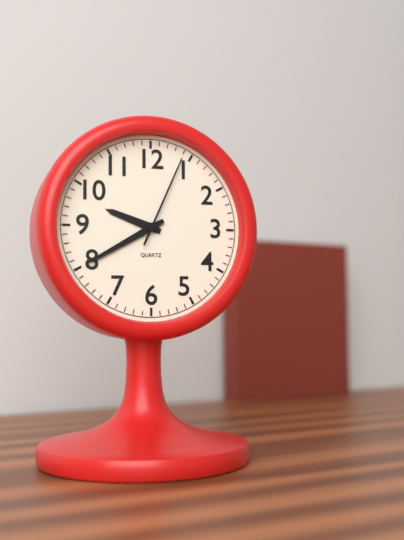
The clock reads h=9 m=40 s=4
